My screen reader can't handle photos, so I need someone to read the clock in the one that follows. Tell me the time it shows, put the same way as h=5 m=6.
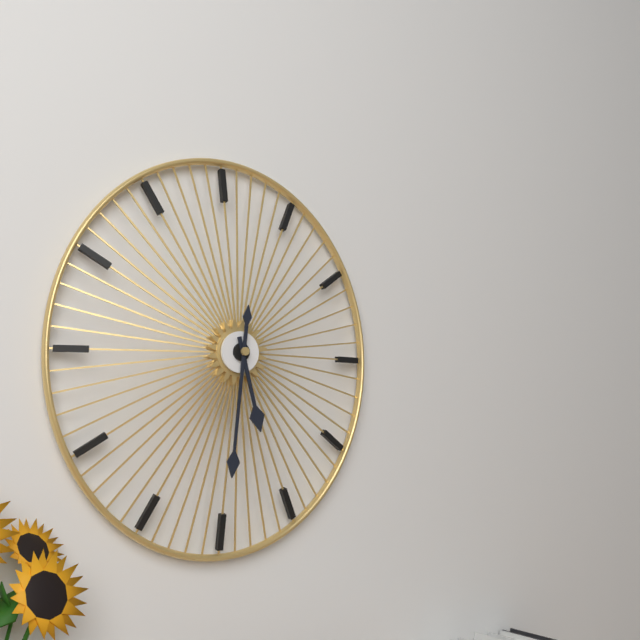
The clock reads h=5 m=31
